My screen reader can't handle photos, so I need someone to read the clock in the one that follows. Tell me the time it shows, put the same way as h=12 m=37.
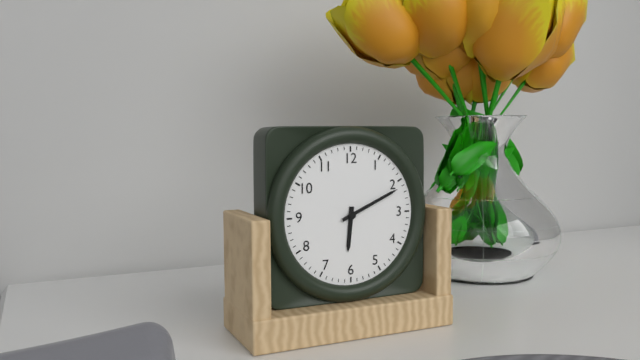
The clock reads h=6 m=11
